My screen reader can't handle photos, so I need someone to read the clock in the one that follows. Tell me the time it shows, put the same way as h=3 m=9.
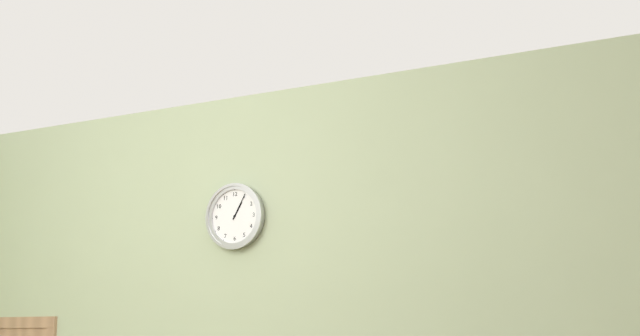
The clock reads h=1 m=5
